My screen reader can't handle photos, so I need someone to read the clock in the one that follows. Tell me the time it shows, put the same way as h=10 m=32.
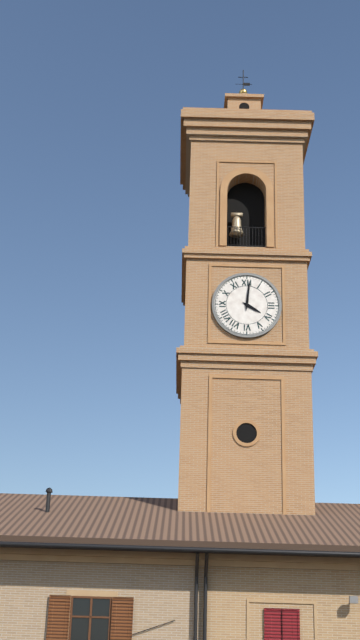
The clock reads h=4 m=1
